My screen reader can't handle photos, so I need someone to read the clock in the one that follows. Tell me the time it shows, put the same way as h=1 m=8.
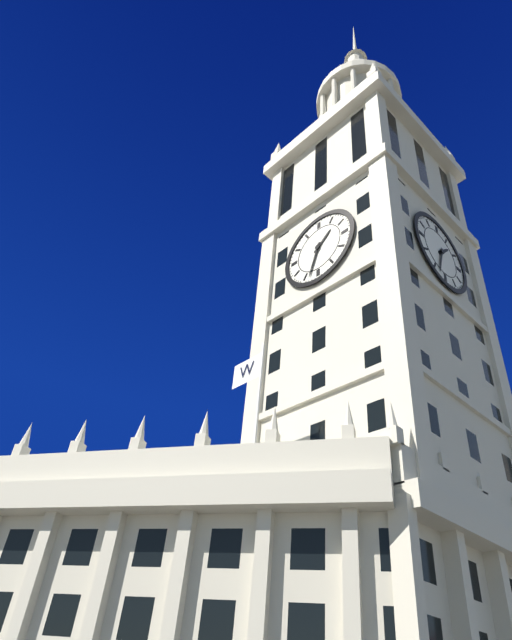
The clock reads h=1 m=33
